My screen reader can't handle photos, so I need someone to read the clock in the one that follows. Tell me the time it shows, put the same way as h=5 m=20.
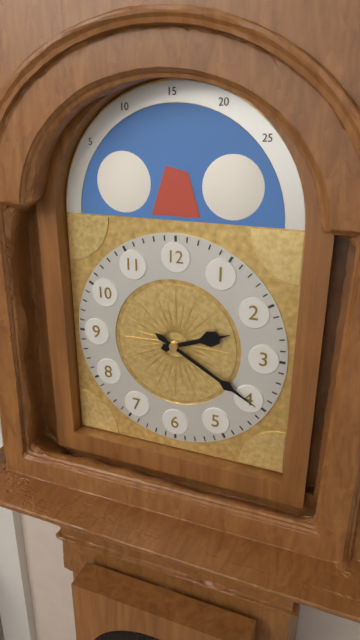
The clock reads h=2 m=20
